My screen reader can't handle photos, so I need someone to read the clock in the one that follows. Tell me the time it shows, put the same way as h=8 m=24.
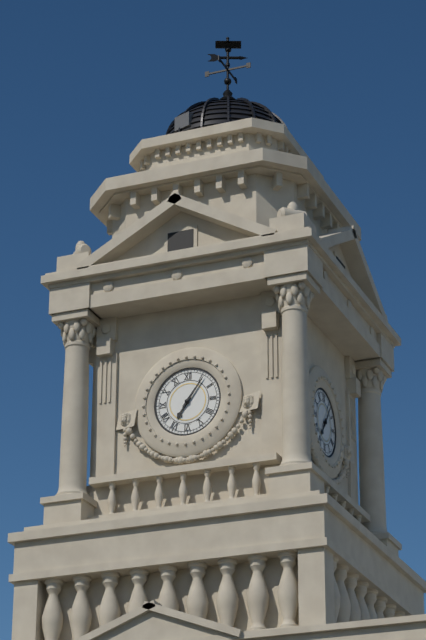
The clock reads h=7 m=6
